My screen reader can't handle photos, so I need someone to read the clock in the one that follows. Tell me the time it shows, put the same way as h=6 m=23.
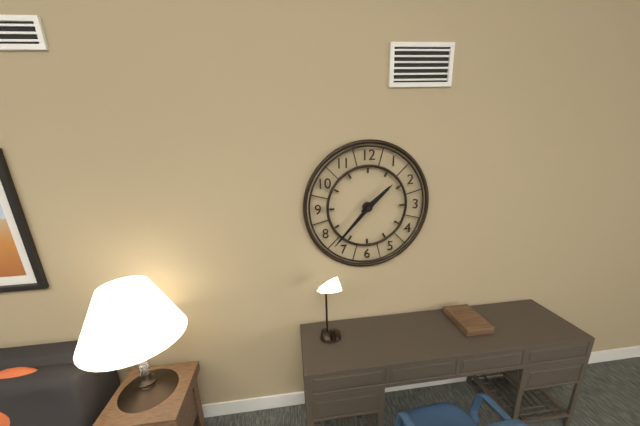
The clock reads h=1 m=37
